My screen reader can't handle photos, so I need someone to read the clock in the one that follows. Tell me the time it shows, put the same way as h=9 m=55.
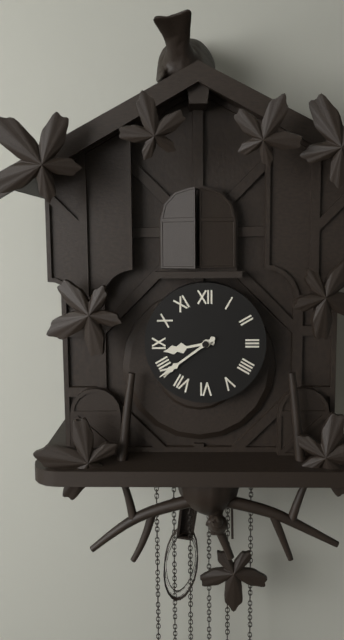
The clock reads h=8 m=39
